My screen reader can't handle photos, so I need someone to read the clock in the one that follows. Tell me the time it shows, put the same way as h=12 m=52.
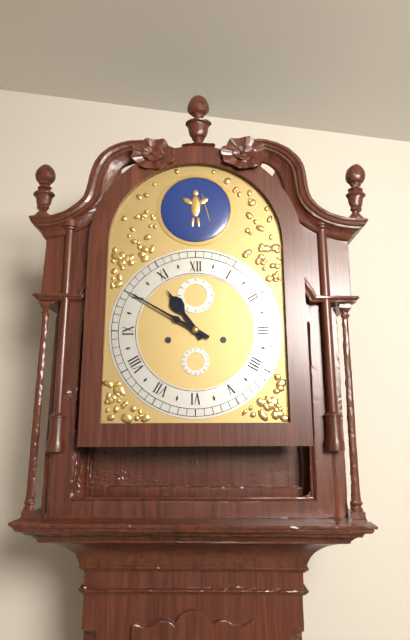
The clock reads h=10 m=50
